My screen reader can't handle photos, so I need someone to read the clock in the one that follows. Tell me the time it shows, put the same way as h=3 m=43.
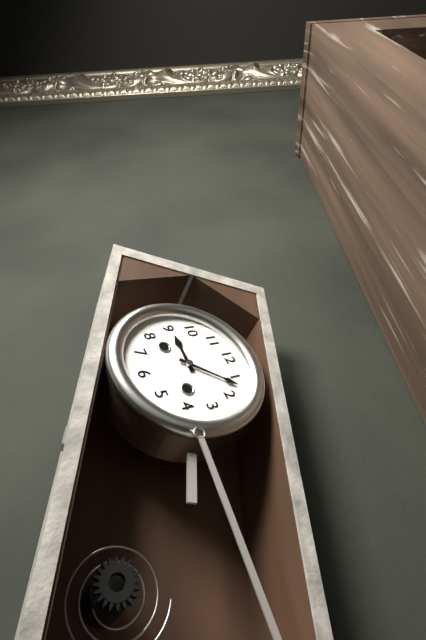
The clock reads h=9 m=7
